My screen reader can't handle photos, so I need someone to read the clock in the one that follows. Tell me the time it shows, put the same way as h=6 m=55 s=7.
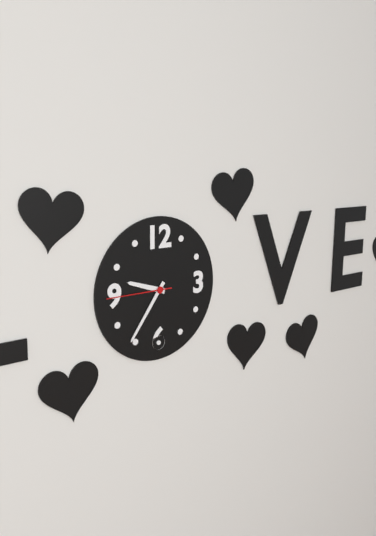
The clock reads h=9 m=36 s=45
